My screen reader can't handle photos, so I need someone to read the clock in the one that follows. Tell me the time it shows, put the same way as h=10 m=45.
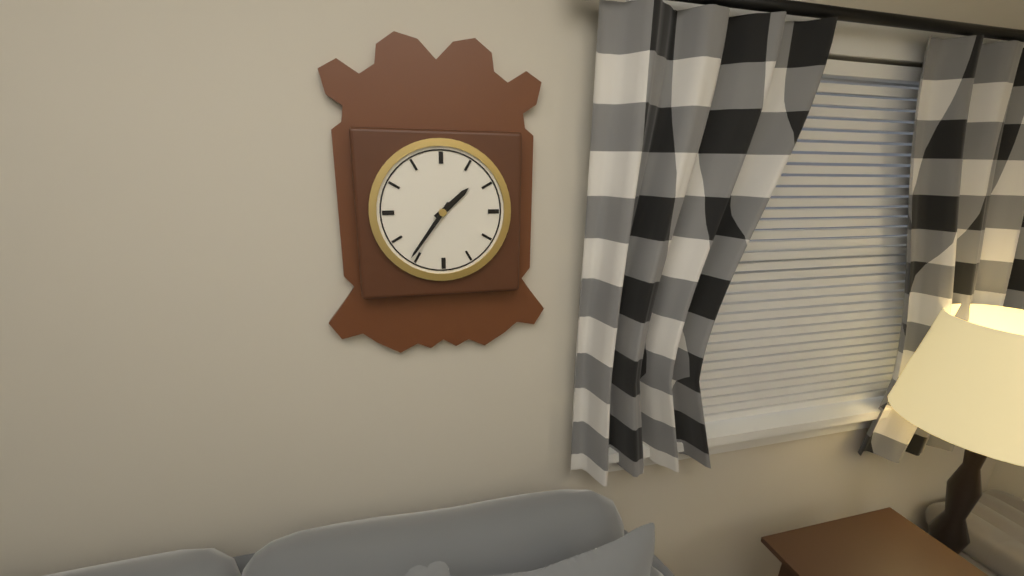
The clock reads h=1 m=36
